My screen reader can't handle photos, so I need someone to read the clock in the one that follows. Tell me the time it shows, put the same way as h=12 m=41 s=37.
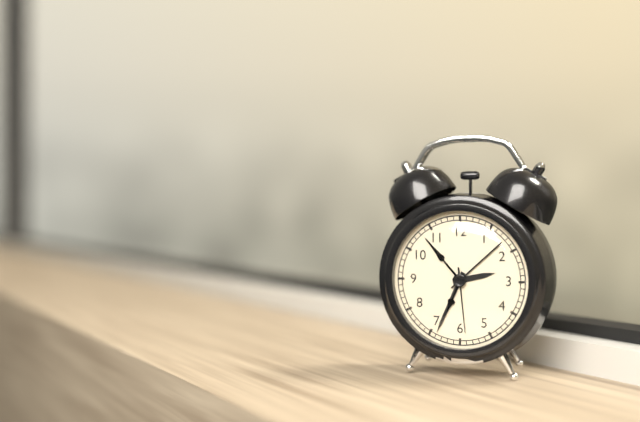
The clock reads h=2 m=34 s=29
